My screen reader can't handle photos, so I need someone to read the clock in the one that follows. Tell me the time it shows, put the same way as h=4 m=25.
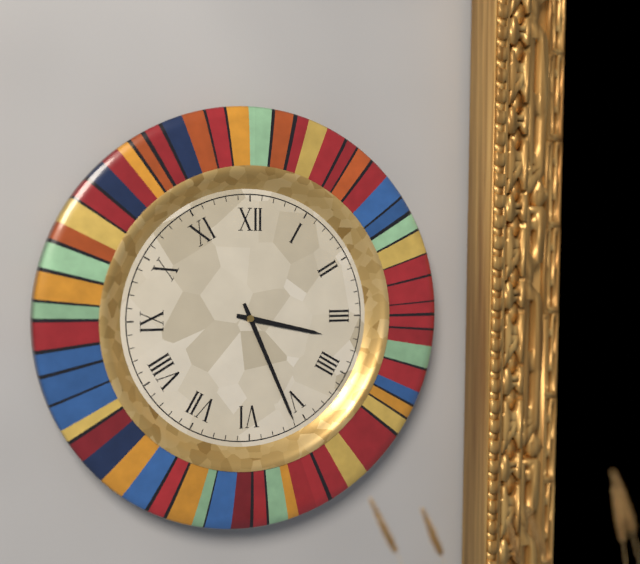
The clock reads h=3 m=26
